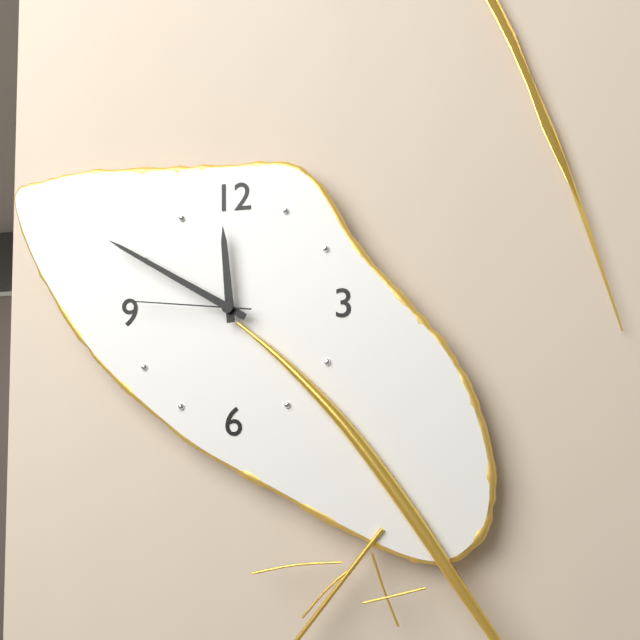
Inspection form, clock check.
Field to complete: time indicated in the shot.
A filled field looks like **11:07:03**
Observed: **11:50:46**
